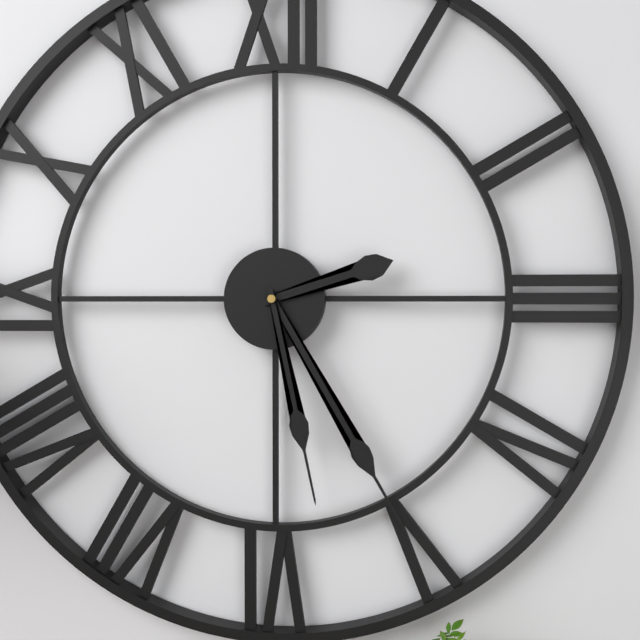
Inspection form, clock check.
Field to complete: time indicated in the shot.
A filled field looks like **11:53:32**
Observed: **2:25:28**
